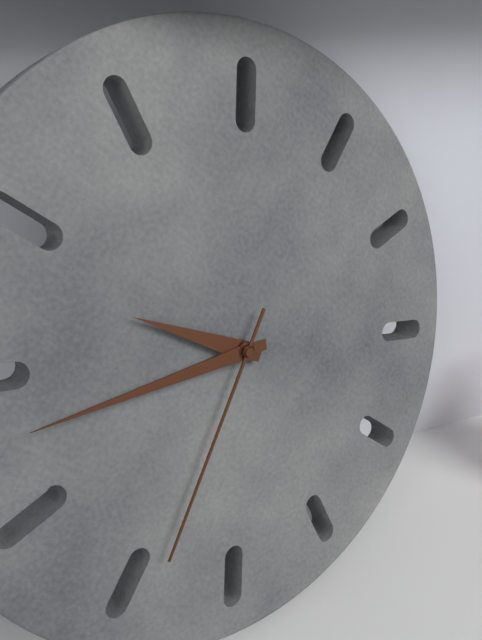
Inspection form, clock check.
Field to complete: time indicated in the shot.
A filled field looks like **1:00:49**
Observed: **8:38:29**
